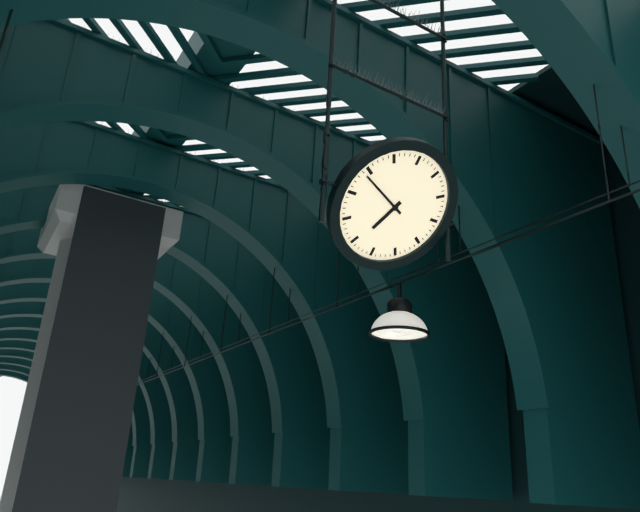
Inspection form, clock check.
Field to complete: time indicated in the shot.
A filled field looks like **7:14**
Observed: **6:49**
